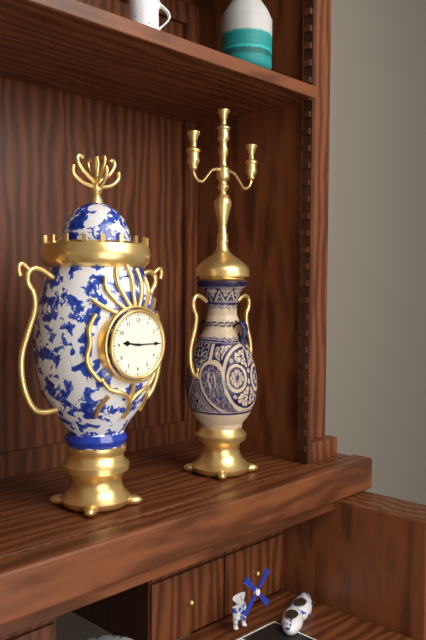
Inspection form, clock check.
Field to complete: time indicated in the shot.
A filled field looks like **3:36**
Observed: **9:15**
